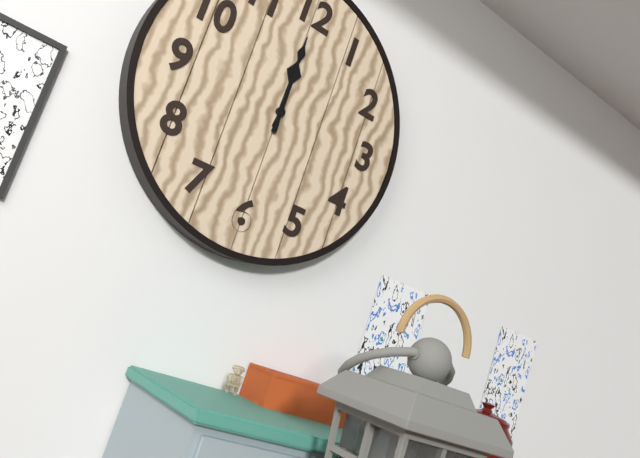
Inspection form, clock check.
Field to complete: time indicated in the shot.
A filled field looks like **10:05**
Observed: **12:00**
